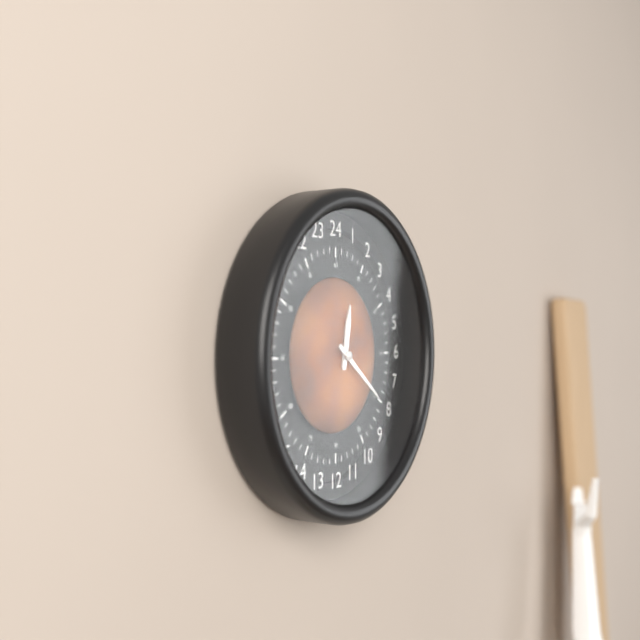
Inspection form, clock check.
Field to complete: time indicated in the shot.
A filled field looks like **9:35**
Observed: **12:21**
